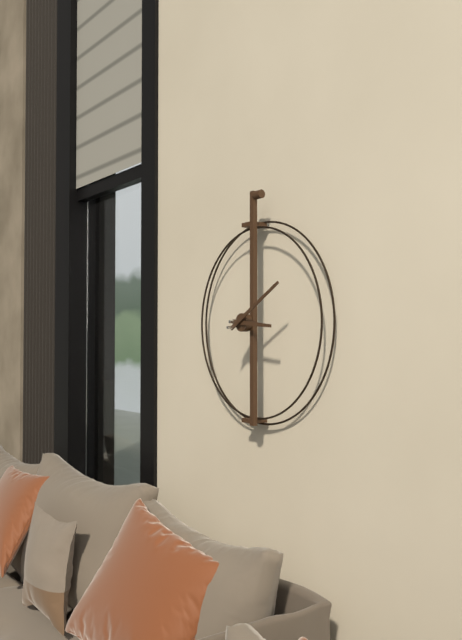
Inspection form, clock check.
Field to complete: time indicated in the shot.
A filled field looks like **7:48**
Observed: **3:10**
